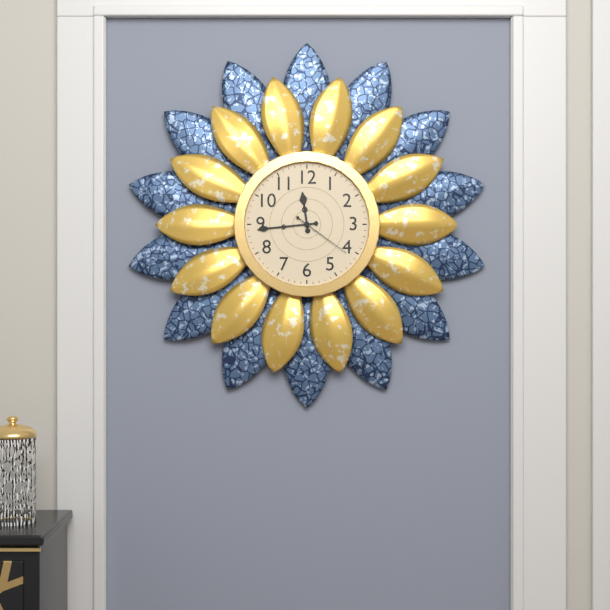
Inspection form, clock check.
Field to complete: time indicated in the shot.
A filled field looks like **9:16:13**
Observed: **11:44:21**
